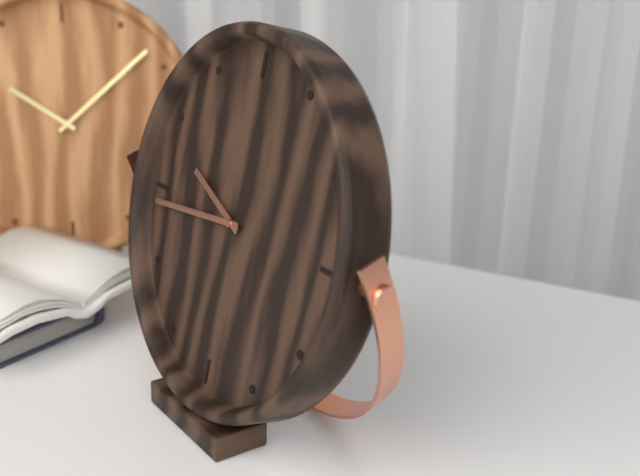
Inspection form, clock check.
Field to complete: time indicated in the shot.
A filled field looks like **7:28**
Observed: **9:44**
